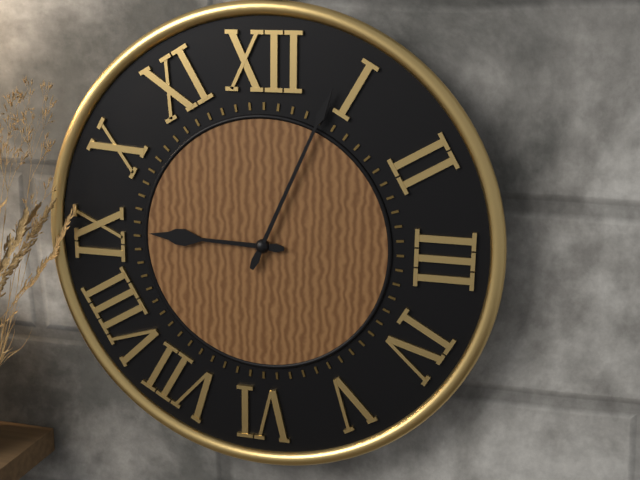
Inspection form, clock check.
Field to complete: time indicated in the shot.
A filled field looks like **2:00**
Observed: **9:04**
